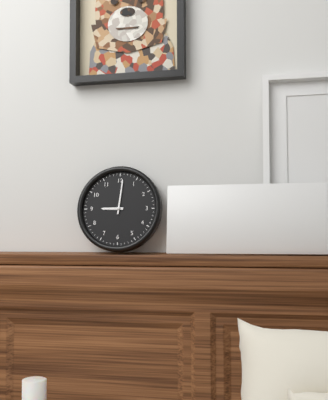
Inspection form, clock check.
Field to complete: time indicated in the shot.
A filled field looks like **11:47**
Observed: **9:01**
